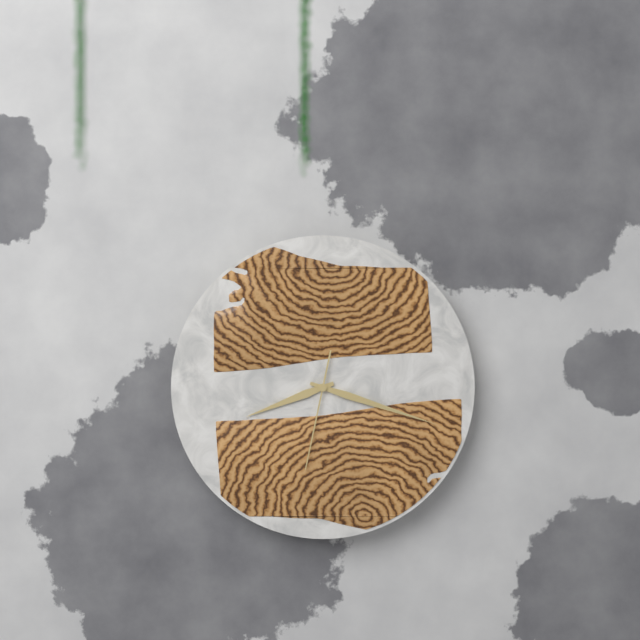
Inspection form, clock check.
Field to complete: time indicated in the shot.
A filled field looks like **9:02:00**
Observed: **8:18:32**
